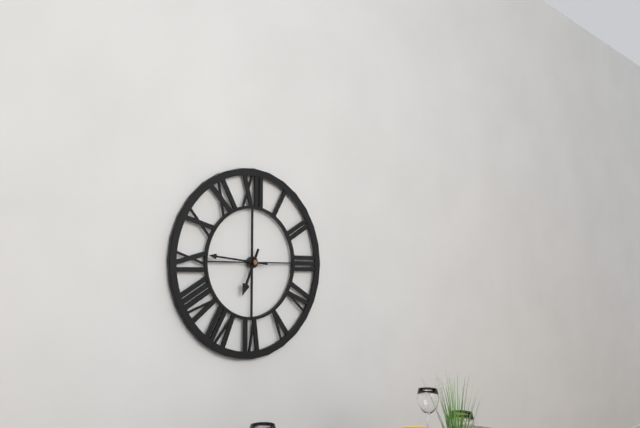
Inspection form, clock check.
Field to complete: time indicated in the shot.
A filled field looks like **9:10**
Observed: **6:46**
